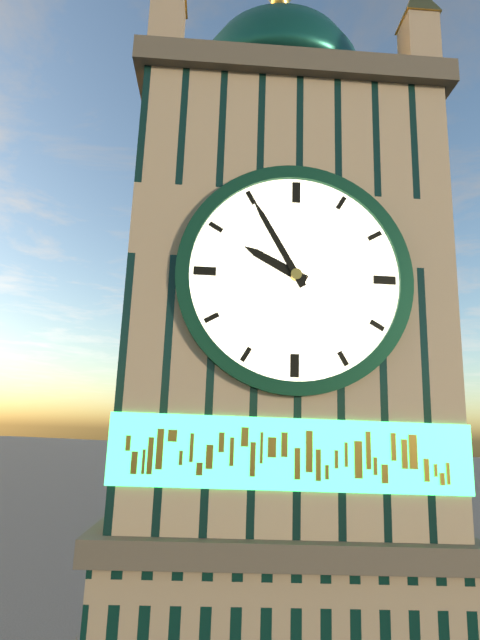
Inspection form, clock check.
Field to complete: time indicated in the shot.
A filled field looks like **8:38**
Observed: **9:55**
